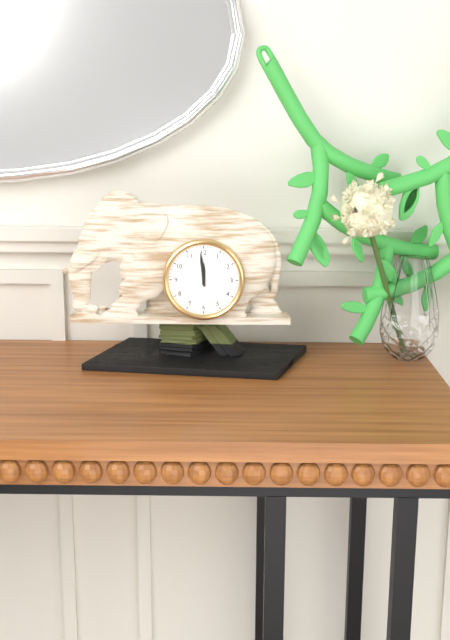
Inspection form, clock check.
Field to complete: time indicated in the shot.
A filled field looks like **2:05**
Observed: **11:59**
